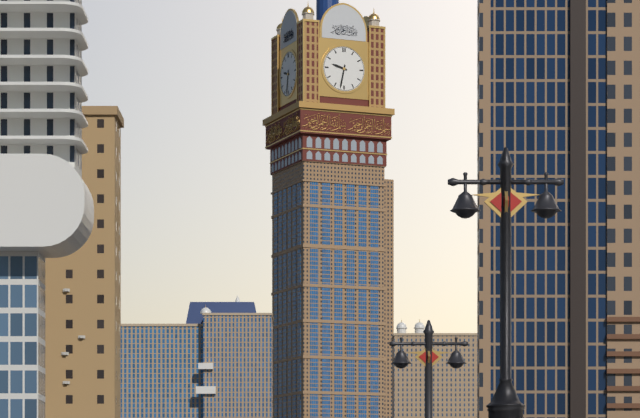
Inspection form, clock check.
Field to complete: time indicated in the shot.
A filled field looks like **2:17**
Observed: **9:32**
